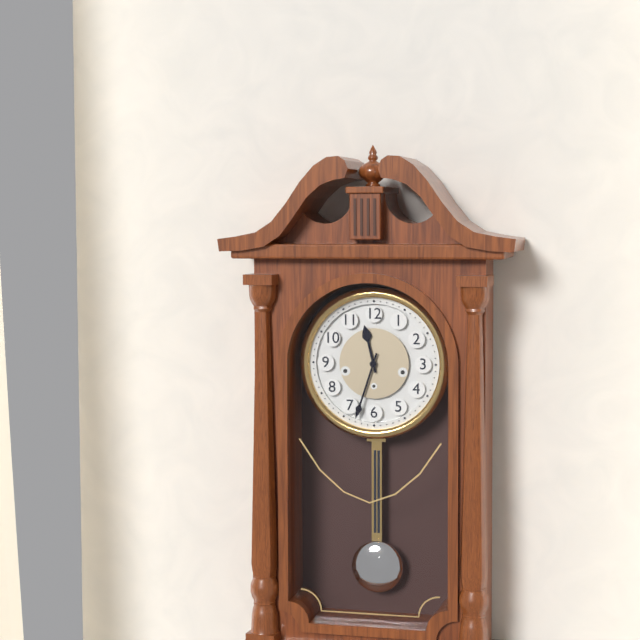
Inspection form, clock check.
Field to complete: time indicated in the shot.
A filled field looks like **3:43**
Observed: **11:33**
